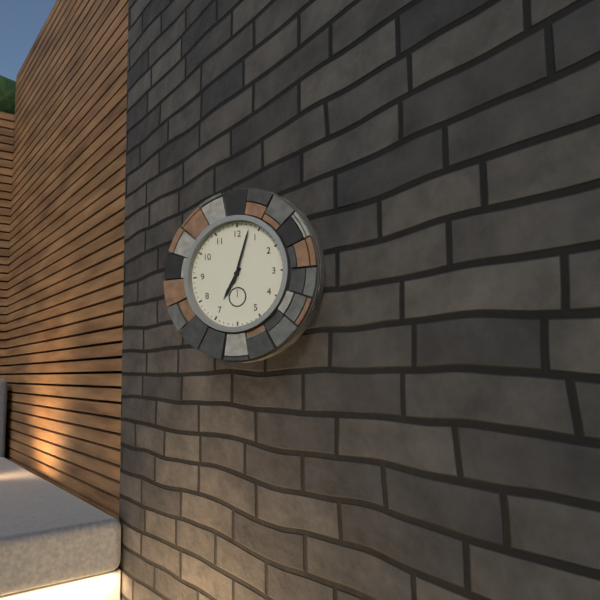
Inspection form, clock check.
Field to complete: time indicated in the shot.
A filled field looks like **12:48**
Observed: **7:03**
